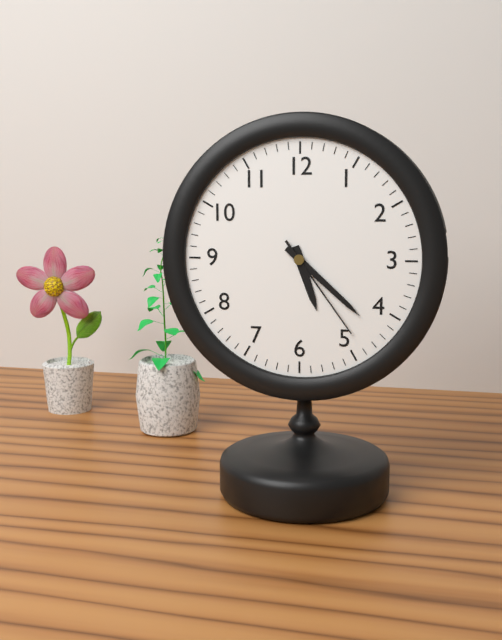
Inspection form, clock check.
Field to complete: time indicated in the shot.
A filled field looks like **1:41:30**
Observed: **5:22:24**
